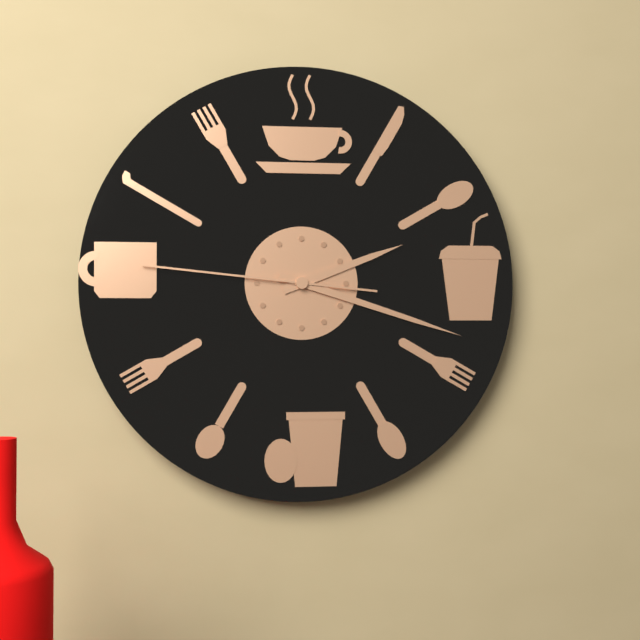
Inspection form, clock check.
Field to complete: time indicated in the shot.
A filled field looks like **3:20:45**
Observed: **2:18:46**
